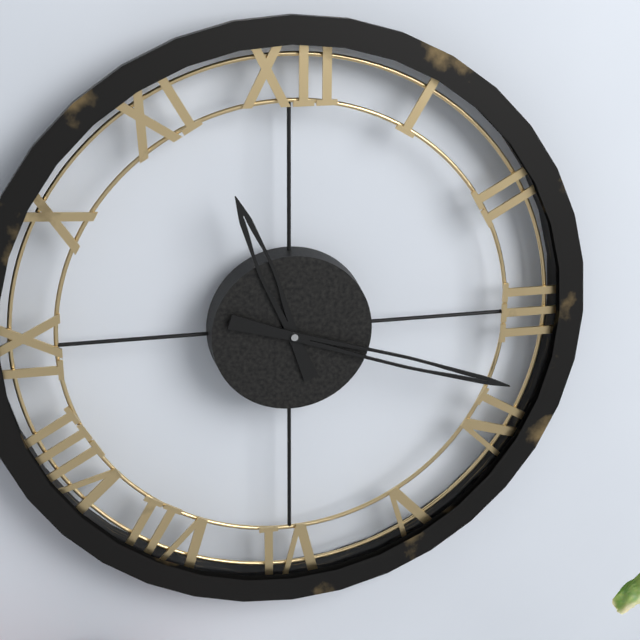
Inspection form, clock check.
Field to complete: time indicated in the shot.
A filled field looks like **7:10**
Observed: **11:18**
